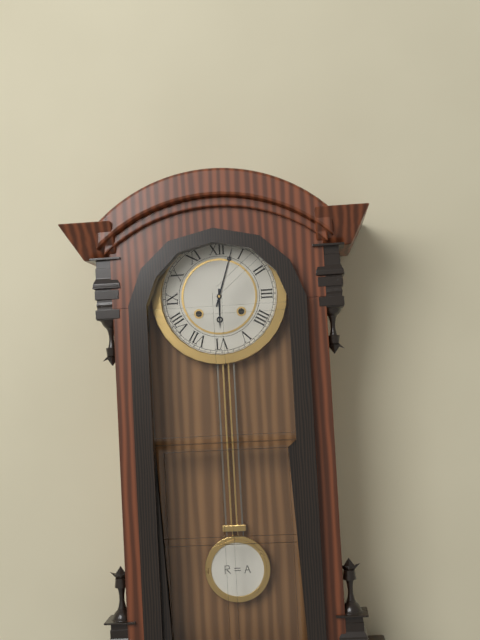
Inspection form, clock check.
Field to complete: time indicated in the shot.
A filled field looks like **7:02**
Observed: **6:03**
